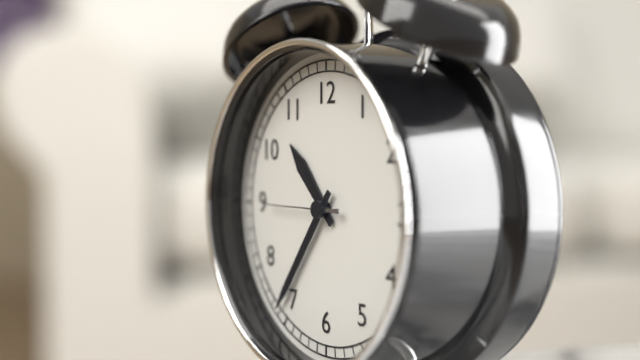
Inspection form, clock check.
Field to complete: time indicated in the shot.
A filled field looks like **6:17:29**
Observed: **10:36:45**
